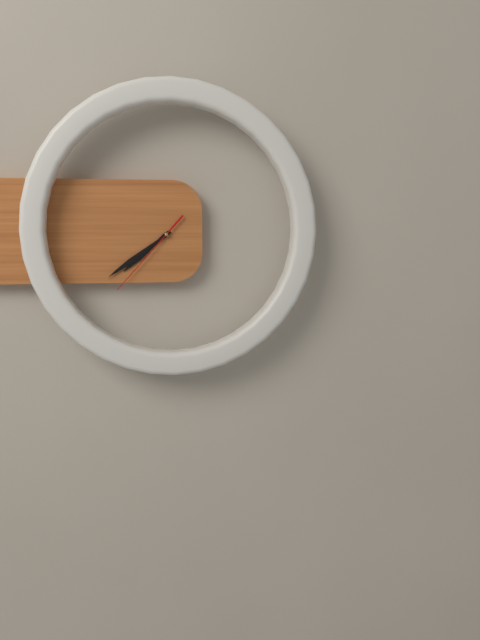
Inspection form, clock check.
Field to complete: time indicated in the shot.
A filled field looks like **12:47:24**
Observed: **7:39:37**
